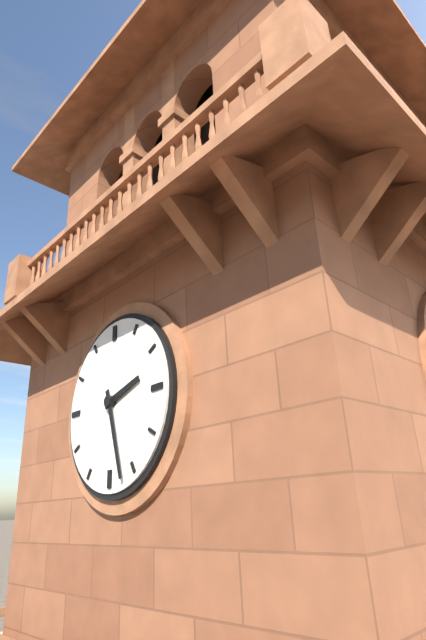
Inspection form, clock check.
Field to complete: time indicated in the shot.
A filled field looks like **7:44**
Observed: **2:27**
